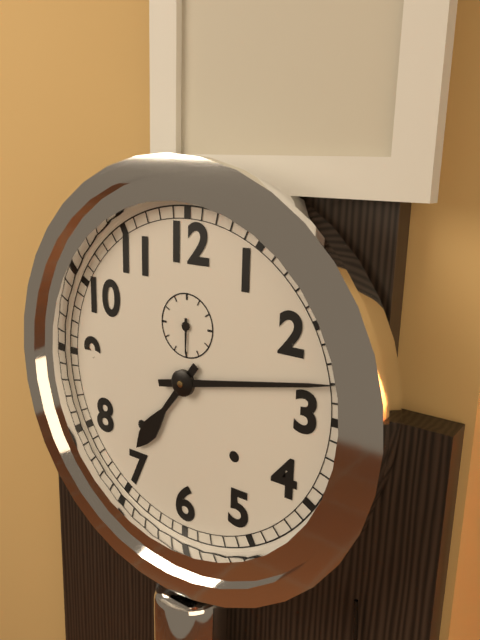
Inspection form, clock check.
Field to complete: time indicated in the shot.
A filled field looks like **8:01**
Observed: **7:13**
